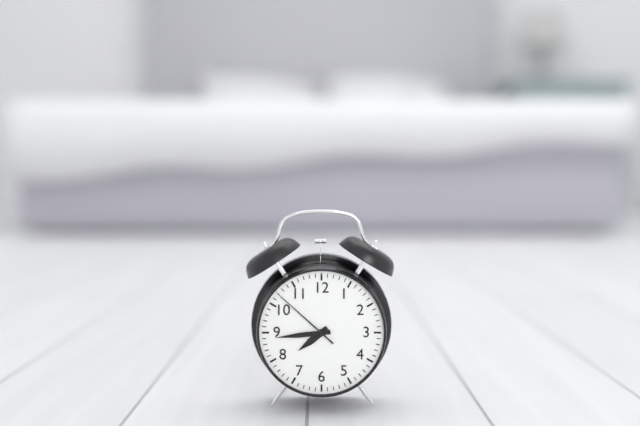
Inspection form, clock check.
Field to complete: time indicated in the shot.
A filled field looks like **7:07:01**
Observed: **7:44:52**
